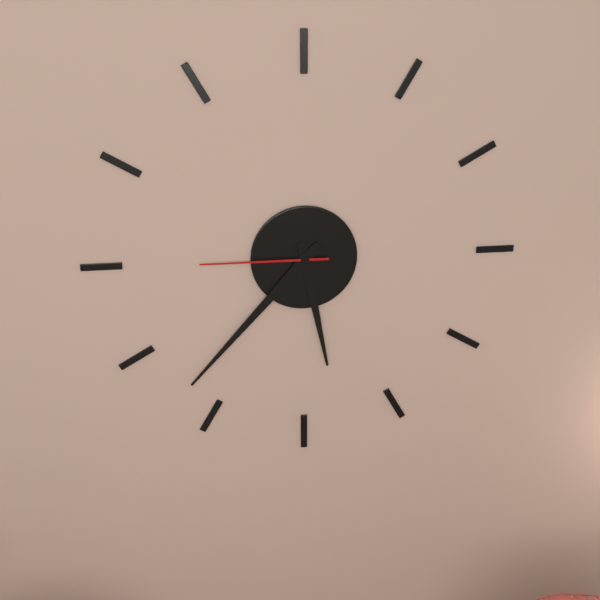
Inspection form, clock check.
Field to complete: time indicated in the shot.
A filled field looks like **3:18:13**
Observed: **5:37:45**
